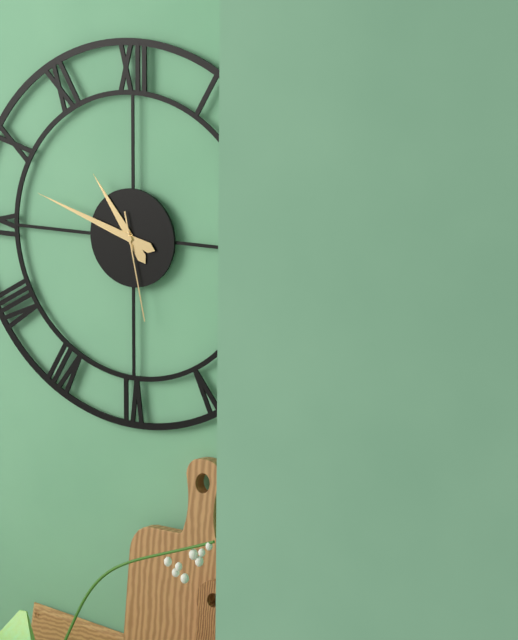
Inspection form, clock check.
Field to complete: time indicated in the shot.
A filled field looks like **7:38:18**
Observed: **10:48:28**
